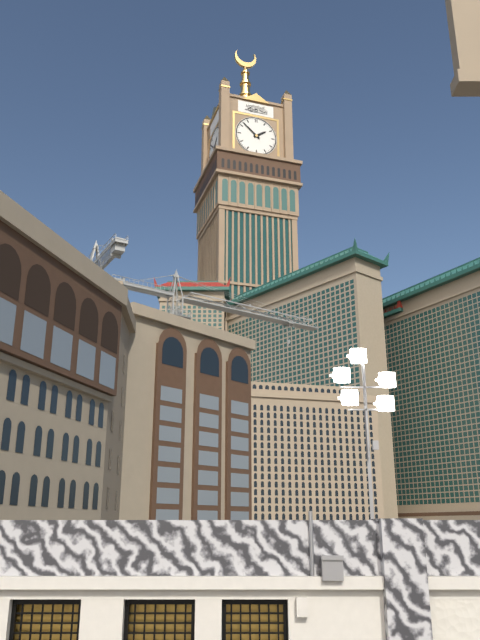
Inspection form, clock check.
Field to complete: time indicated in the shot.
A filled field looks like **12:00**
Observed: **1:52**
